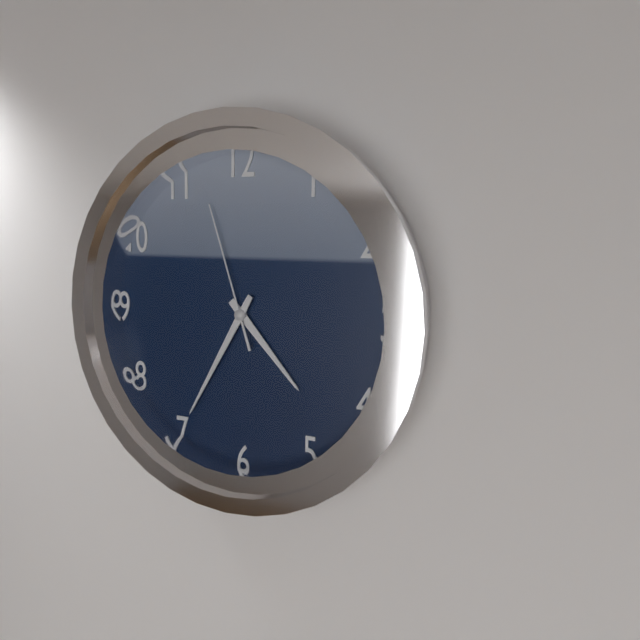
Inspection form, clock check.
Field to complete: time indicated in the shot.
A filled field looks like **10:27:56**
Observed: **4:35:57**
